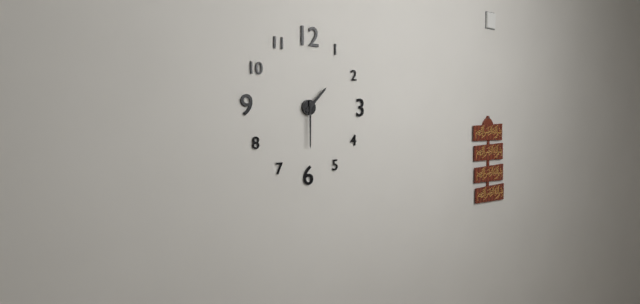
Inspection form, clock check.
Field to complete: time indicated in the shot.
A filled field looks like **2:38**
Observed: **1:30**
